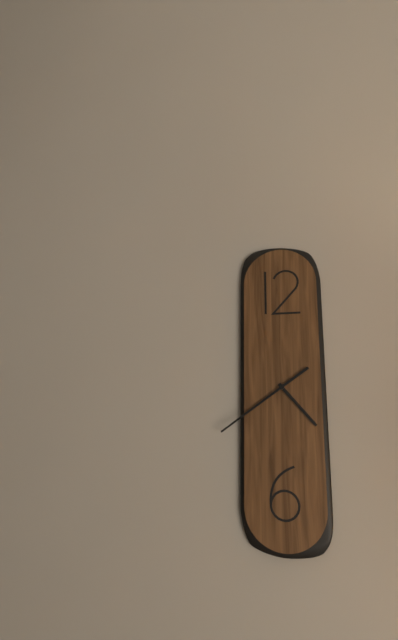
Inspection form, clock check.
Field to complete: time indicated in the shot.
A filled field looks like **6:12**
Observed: **4:39**
